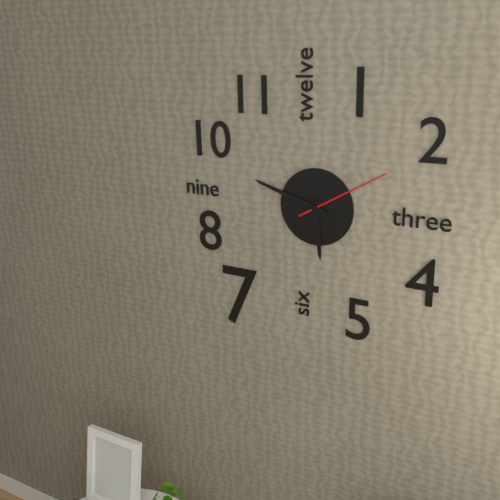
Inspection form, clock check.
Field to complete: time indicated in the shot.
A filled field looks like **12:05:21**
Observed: **5:48:10**
